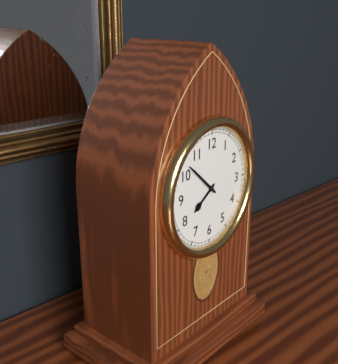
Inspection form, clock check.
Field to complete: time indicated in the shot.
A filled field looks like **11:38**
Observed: **7:52**
